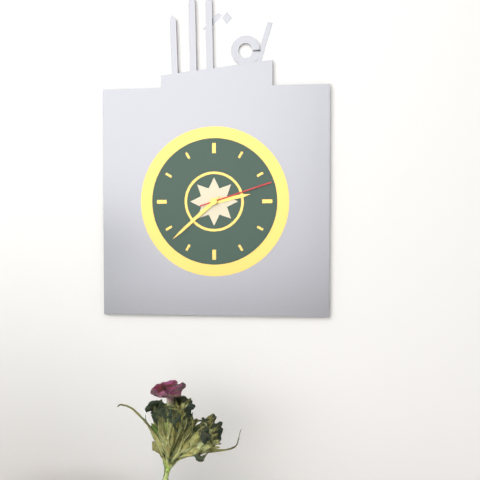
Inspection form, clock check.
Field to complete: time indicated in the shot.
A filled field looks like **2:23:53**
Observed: **2:38:12**
